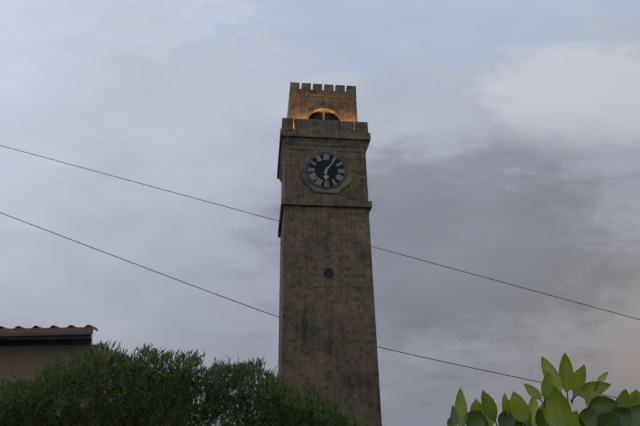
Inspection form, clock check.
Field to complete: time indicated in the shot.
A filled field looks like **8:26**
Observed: **6:06**
